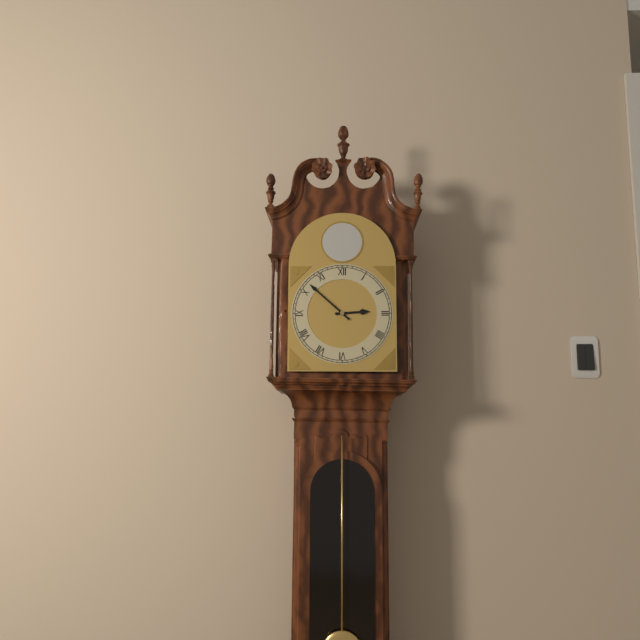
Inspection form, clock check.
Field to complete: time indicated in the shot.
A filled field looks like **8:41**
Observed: **2:52**
